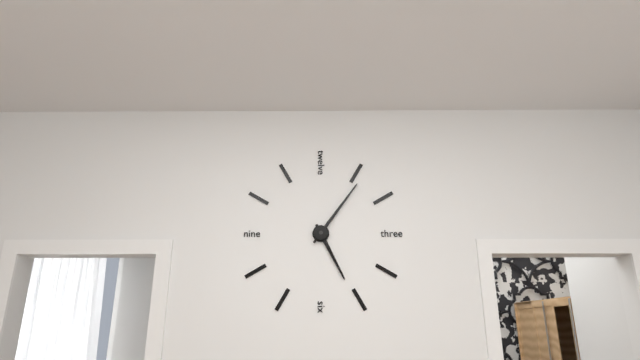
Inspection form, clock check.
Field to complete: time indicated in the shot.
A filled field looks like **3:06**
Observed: **5:06**
